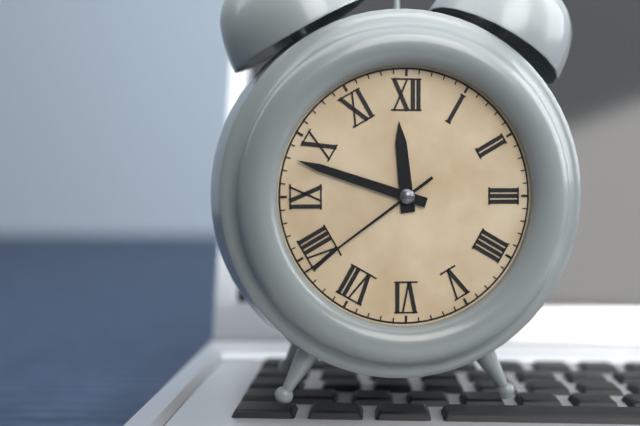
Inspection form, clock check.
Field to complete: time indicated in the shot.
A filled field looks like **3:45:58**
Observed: **11:48:39**
